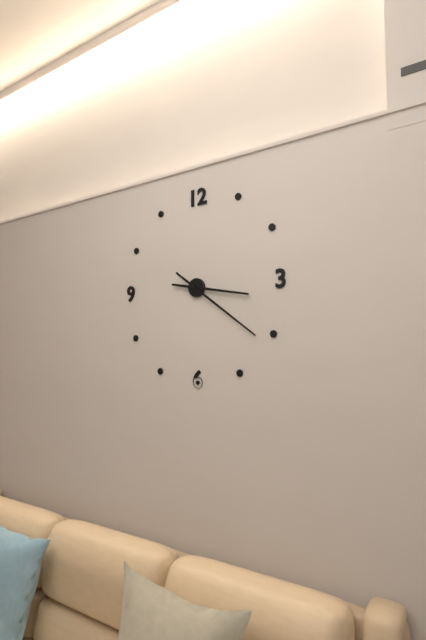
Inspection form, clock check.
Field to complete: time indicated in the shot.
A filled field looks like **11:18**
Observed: **3:21**
